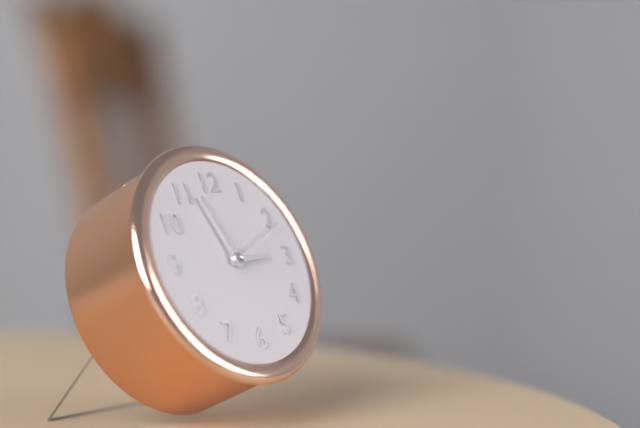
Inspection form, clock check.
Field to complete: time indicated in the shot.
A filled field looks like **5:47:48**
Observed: **2:57:11**
